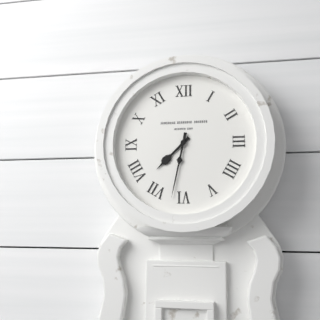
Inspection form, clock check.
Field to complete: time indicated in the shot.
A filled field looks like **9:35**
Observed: **7:32**
